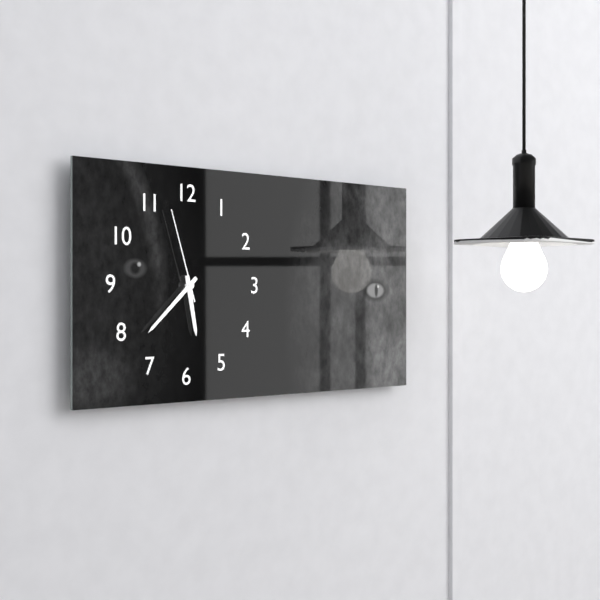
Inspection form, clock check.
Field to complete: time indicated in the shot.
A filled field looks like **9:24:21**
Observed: **5:38:57**
